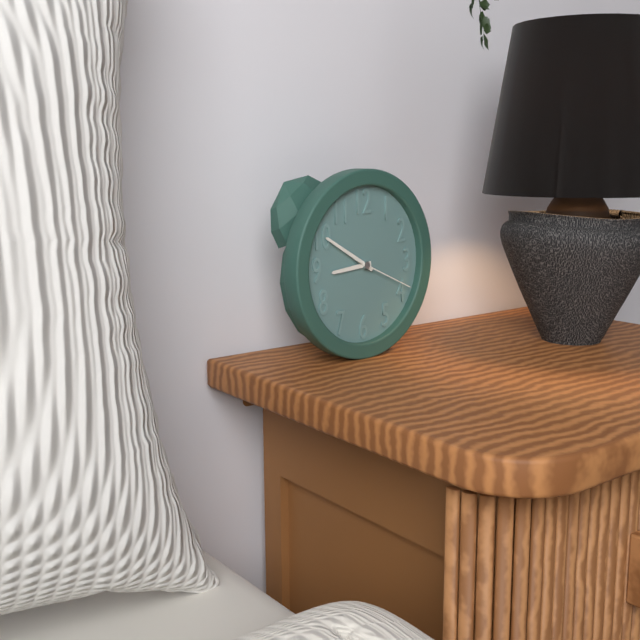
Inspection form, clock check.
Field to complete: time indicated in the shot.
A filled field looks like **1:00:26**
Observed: **8:50:19**
